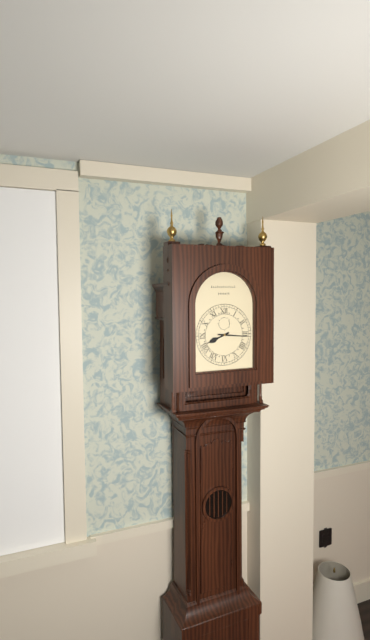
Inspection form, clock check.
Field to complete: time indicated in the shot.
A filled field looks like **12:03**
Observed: **8:16**
